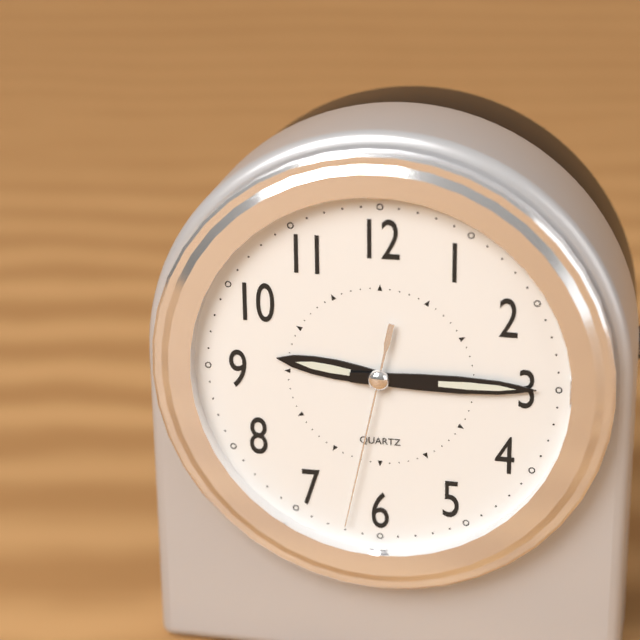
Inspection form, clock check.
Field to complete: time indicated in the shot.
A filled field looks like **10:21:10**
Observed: **9:15:32**
